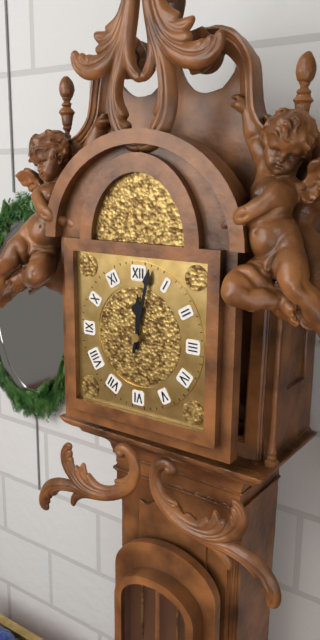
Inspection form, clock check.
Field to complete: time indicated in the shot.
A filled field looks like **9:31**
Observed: **12:02**
